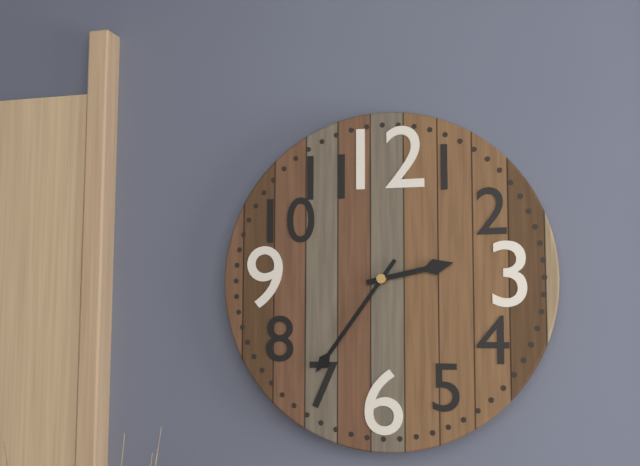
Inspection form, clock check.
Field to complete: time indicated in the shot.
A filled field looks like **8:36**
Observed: **2:36**
